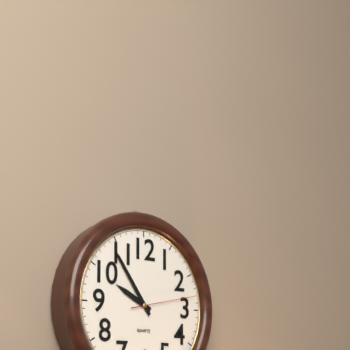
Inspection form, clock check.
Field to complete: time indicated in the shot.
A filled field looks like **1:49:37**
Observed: **9:54:13**
